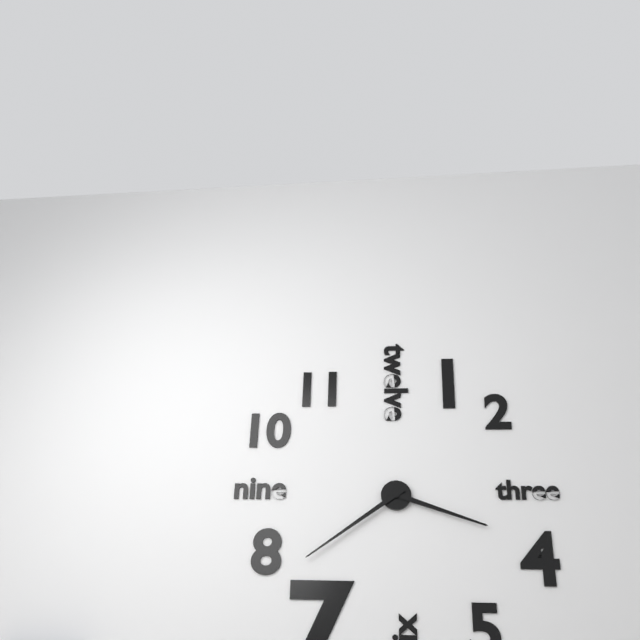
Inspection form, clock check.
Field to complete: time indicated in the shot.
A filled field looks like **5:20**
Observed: **3:39**
